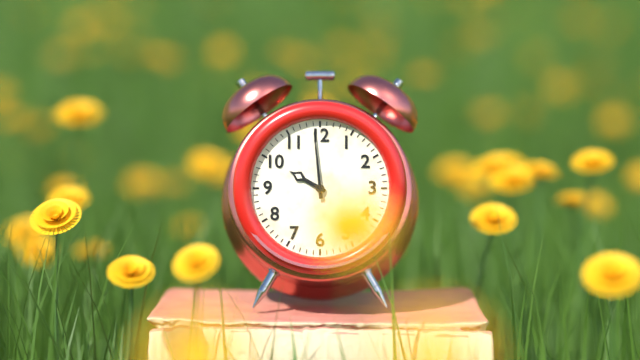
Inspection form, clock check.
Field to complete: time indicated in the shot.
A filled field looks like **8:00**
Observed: **9:59**
